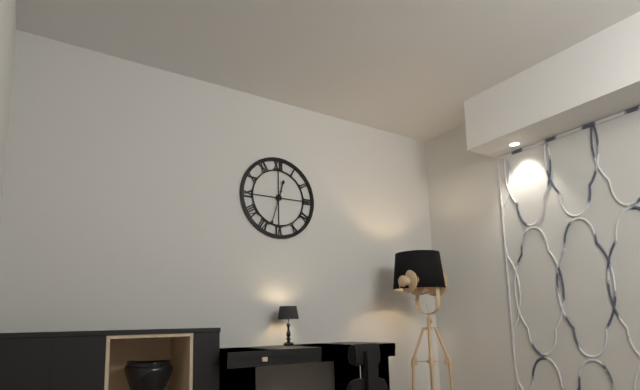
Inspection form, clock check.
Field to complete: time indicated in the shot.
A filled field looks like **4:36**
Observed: **12:33**
